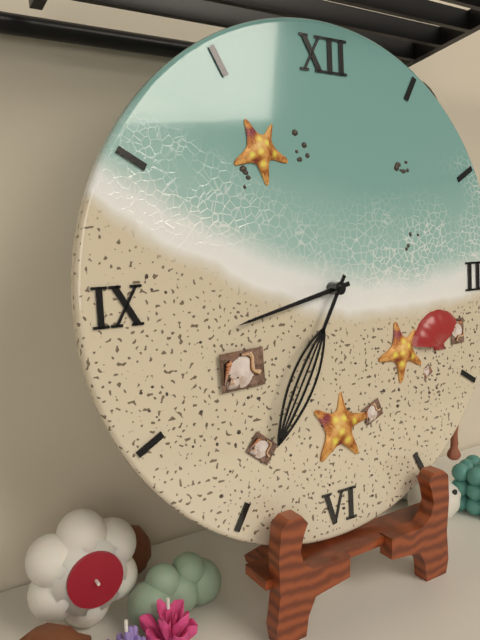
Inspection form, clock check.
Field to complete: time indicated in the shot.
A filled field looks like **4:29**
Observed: **8:35**
